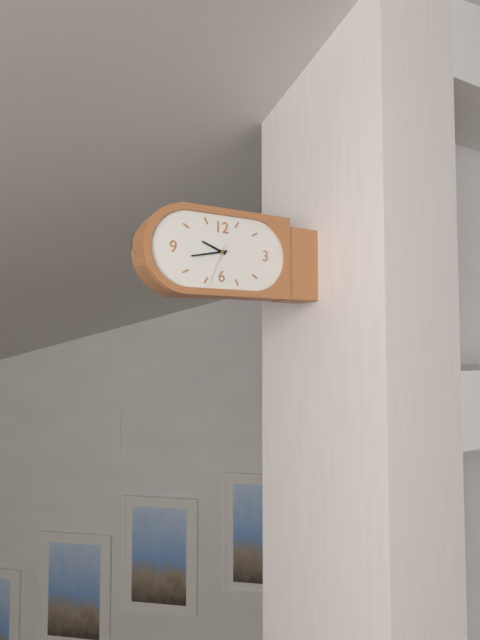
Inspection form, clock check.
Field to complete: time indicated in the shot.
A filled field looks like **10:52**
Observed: **9:43**
